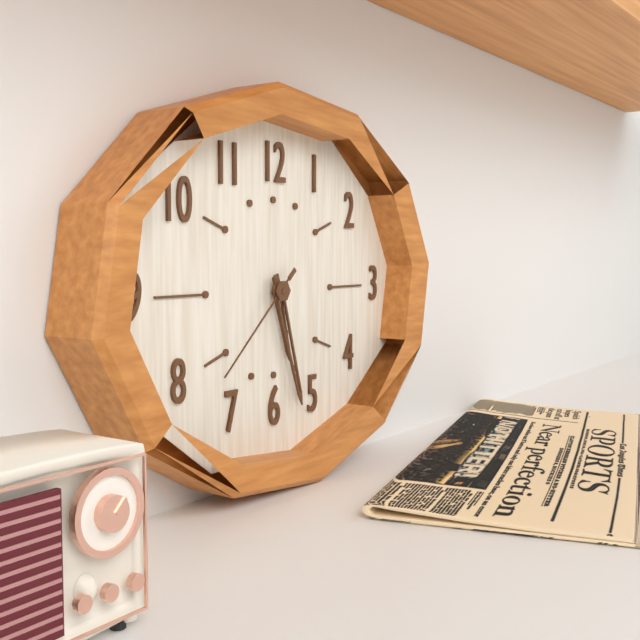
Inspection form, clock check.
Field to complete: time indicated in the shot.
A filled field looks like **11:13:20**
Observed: **5:27:38**
